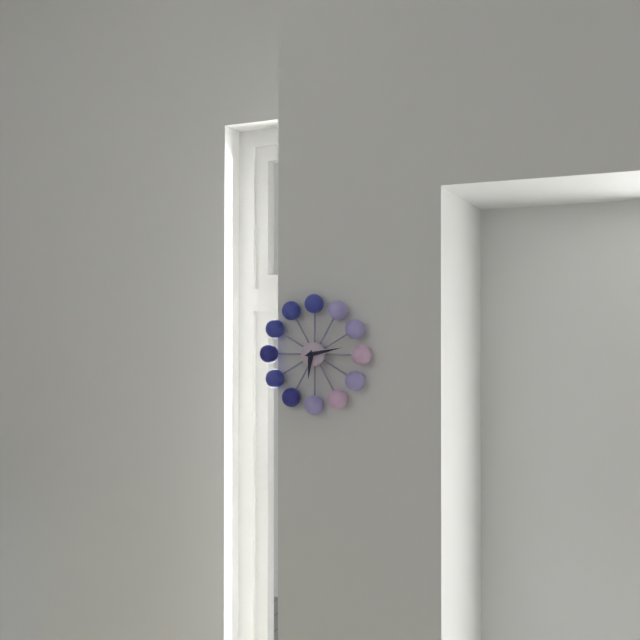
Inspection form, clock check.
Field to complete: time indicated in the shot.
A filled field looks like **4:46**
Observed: **6:13**
